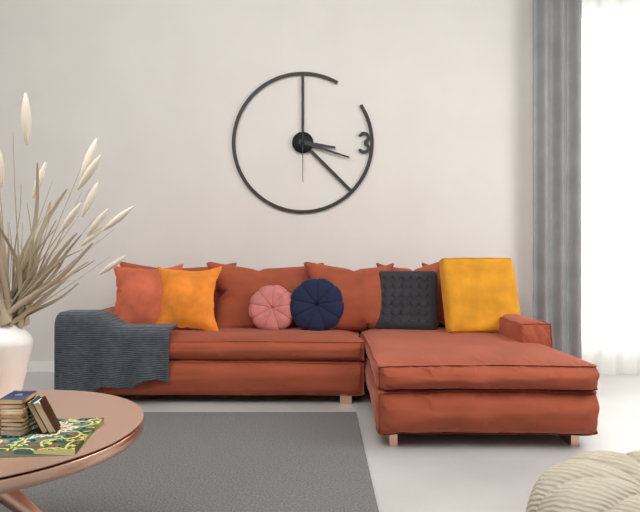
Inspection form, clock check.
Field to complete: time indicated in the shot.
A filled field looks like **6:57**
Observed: **3:18**
